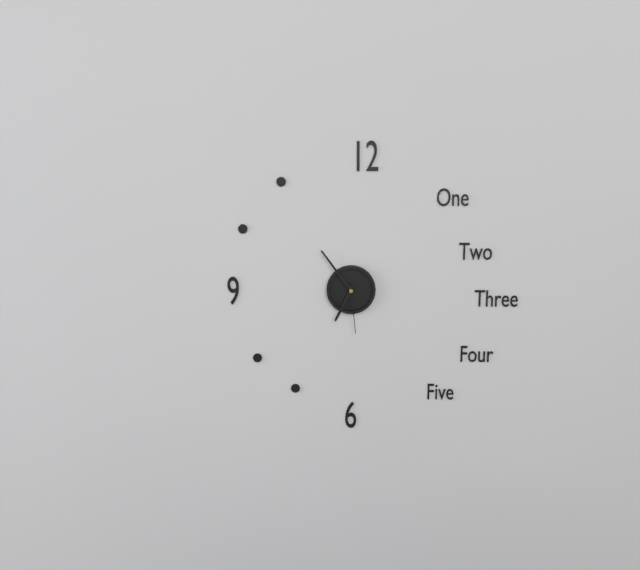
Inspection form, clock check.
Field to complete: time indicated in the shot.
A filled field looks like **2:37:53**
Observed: **6:54:29**
